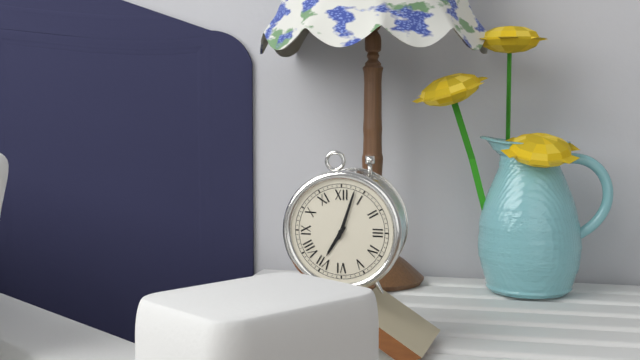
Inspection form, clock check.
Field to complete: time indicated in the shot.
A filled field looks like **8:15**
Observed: **7:03**
